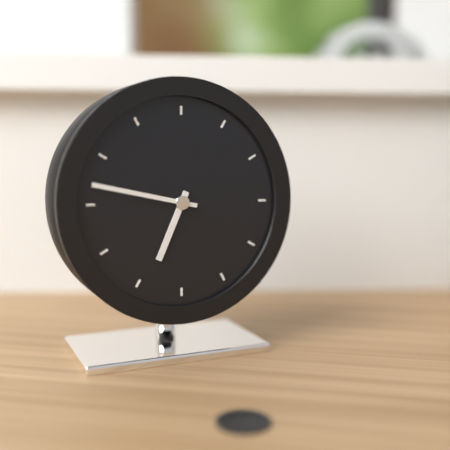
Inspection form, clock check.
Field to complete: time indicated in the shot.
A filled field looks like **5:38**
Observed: **6:47**
